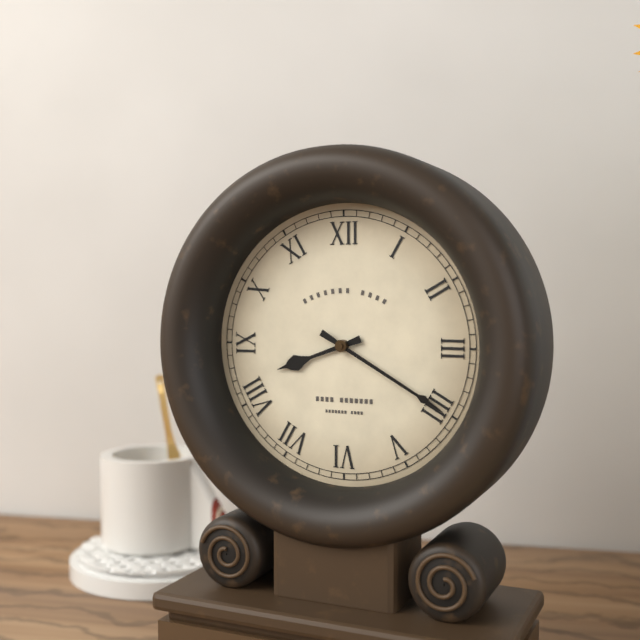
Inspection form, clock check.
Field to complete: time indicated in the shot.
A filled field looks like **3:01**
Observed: **8:20**
